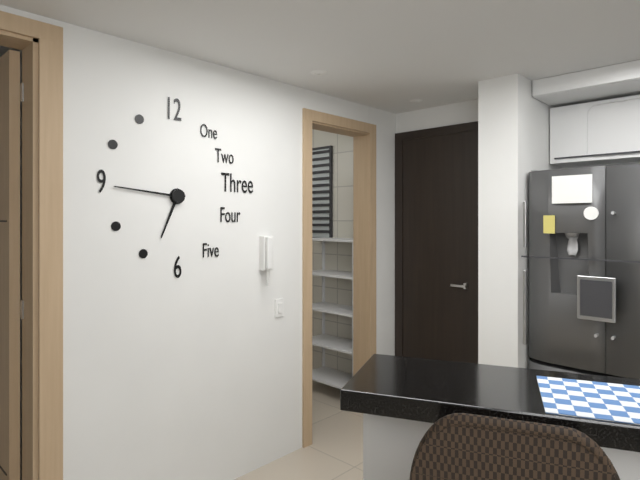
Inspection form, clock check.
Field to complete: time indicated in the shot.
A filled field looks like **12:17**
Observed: **6:46**
